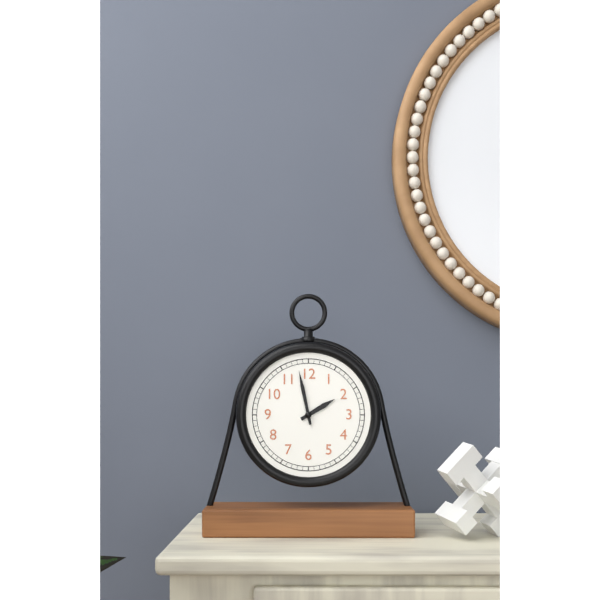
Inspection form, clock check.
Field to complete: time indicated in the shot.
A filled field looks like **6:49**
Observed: **1:58**
